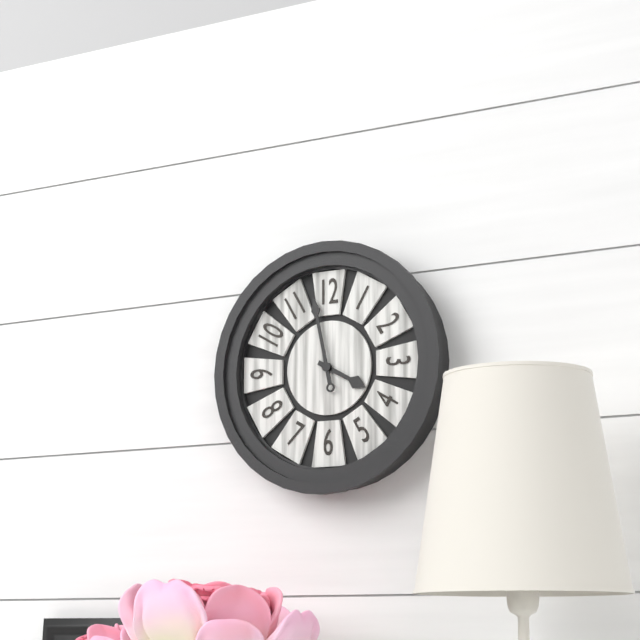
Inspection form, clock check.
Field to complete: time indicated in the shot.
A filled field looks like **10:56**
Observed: **3:58**
